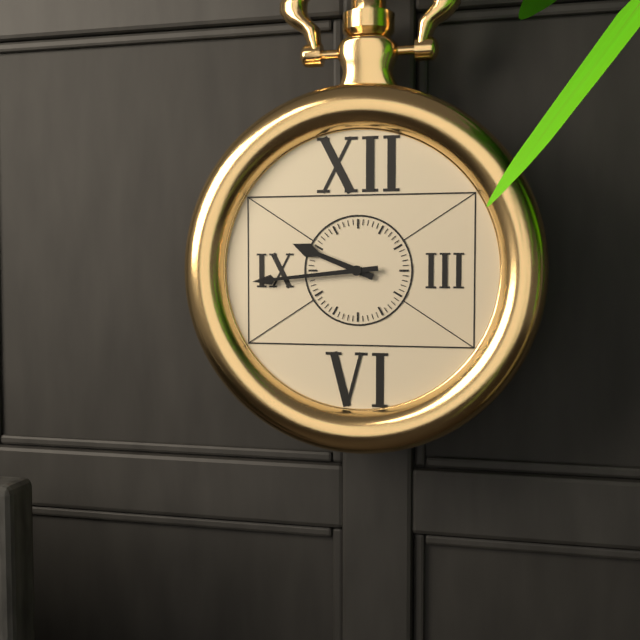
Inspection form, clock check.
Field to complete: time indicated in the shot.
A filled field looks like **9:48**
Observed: **9:44**
